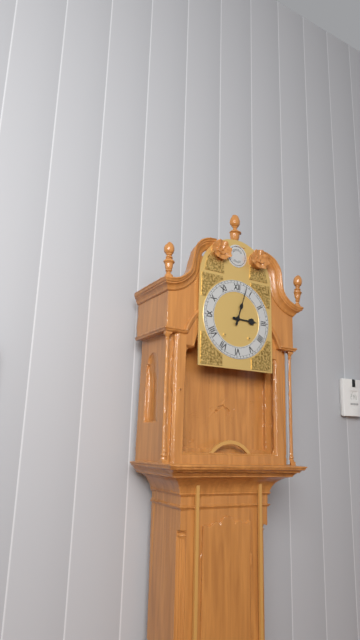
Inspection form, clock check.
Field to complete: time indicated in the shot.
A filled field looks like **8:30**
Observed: **3:03**
